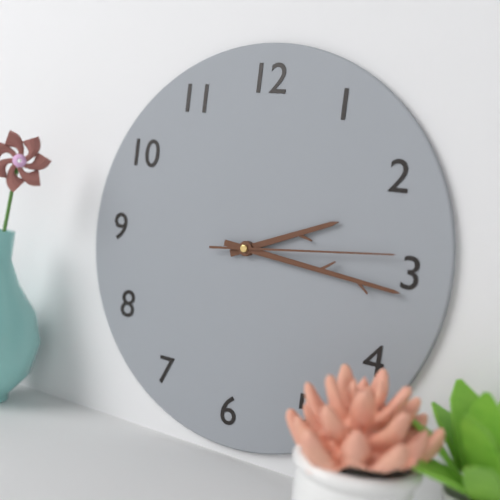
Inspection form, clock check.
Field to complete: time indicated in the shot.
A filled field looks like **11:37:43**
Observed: **2:16:14**
